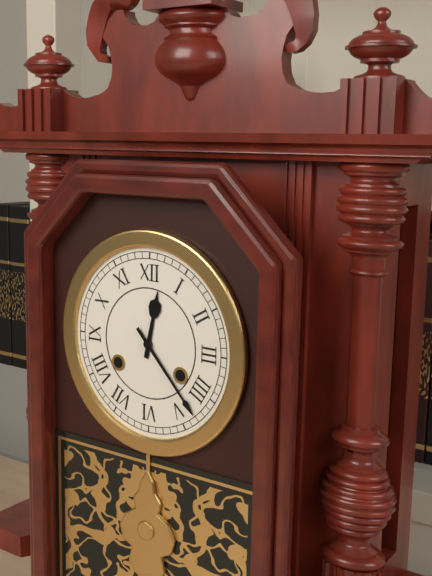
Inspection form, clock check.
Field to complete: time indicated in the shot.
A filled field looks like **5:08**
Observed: **12:23**
